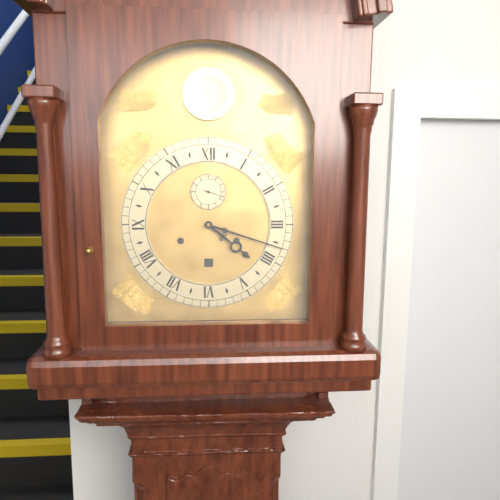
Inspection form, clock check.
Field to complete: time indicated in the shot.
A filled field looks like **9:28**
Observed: **4:18**
